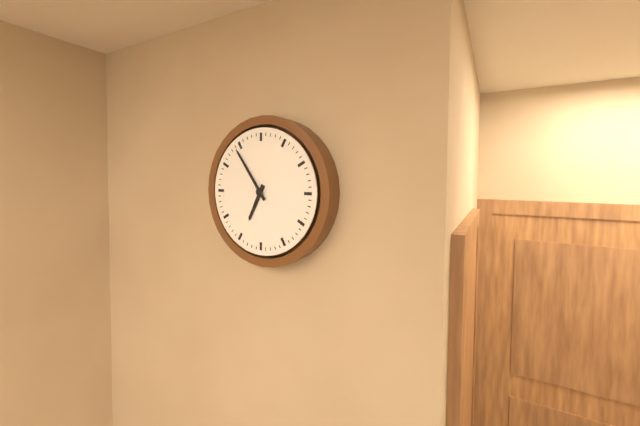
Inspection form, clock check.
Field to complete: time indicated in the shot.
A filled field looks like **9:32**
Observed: **6:54**
